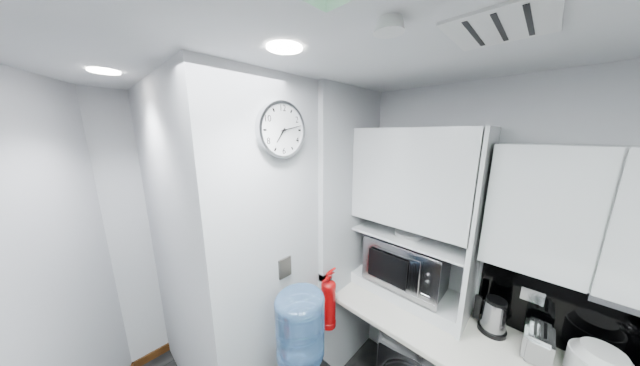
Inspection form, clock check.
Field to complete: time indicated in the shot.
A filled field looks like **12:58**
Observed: **7:13**
